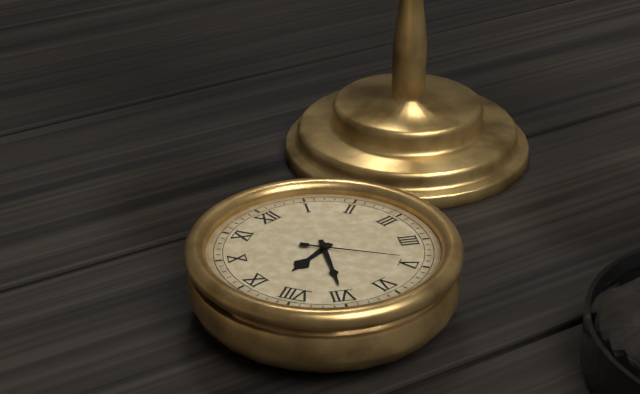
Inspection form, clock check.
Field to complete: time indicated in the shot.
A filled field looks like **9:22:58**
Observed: **8:35:24**
